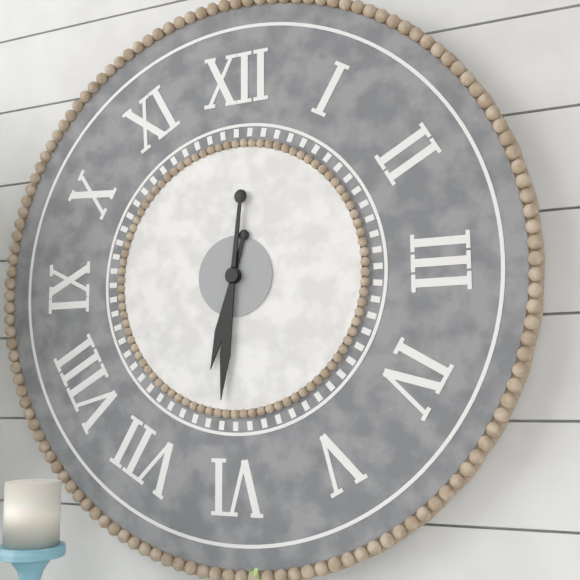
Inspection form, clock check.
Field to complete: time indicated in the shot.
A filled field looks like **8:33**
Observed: **6:31**
